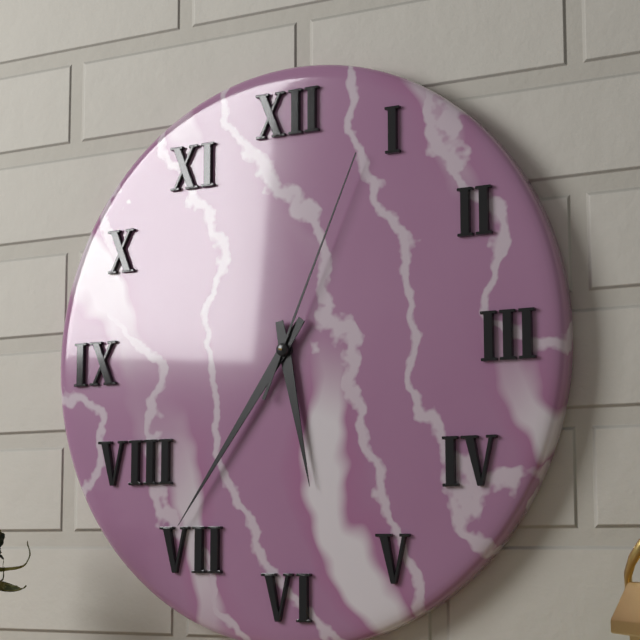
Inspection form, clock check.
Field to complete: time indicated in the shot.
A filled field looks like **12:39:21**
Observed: **5:36:04**
